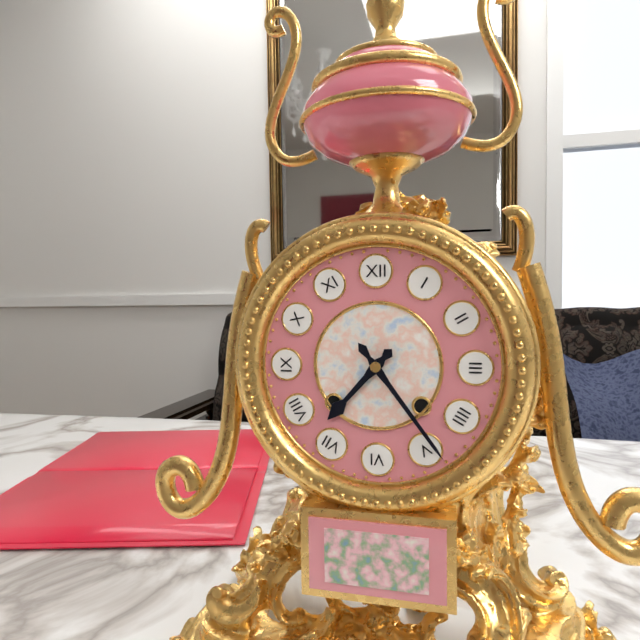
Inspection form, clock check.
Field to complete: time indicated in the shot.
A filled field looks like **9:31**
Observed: **7:24**
